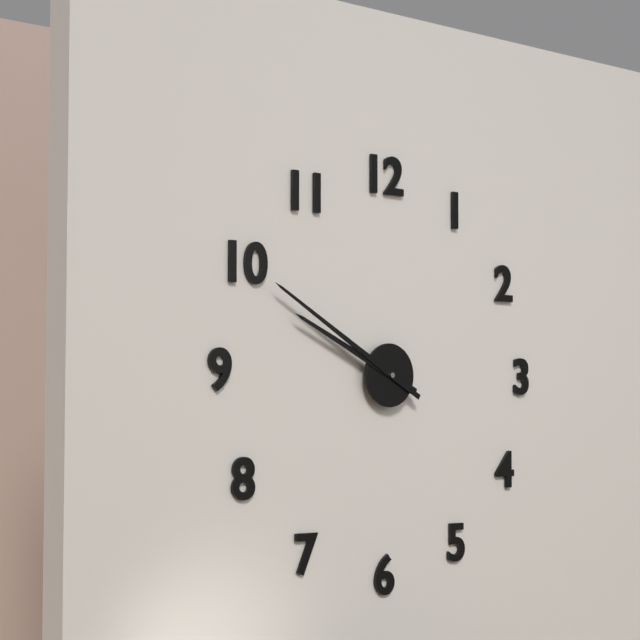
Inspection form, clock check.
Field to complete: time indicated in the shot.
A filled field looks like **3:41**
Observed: **9:50**
